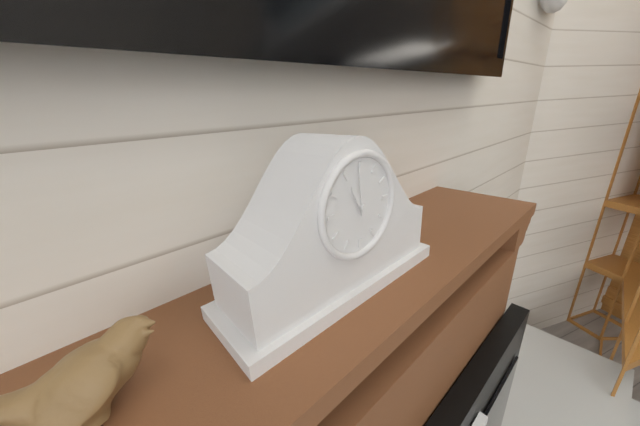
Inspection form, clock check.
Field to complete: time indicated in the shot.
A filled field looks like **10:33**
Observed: **10:59**
